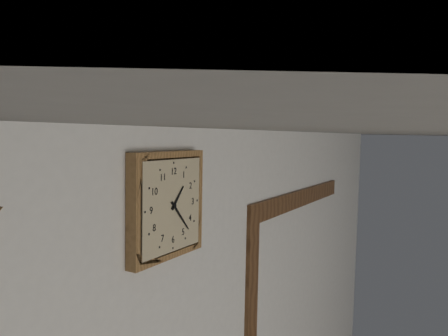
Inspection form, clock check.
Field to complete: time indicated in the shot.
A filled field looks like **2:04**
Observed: **1:23**
